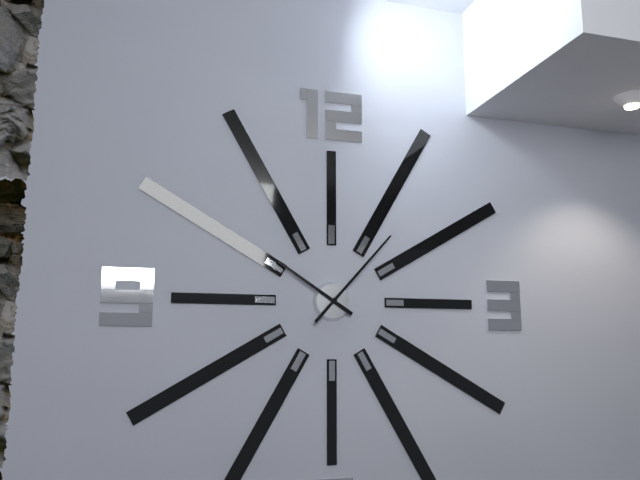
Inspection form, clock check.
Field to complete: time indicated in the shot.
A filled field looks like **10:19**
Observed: **10:07**
